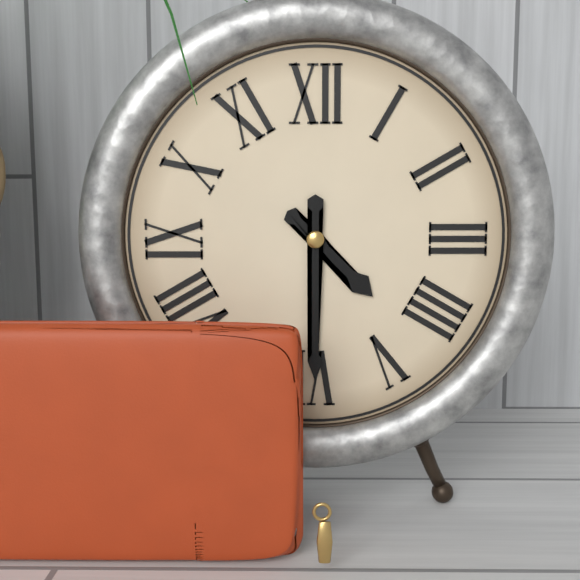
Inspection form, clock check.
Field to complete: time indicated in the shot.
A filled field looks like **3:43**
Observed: **4:30**
